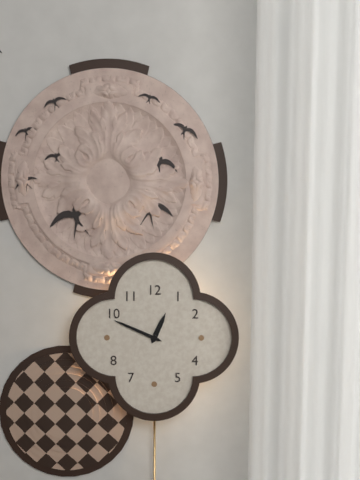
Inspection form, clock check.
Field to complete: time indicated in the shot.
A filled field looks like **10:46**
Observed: **12:49**
